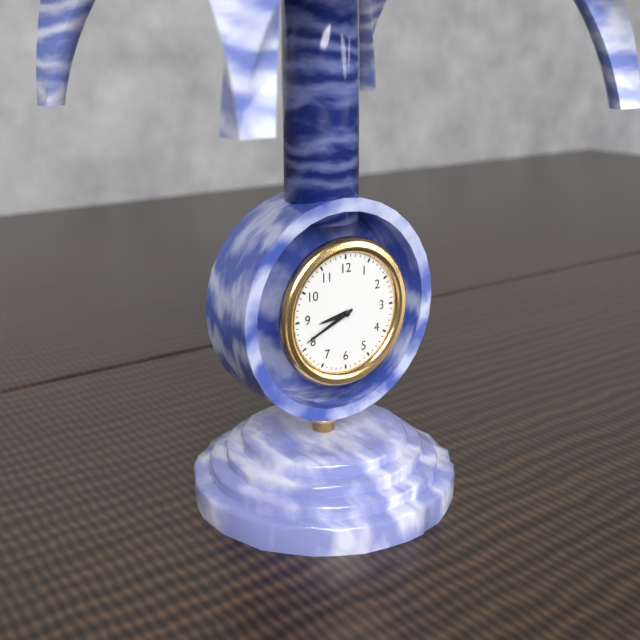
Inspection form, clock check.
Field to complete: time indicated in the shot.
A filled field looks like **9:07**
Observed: **8:41**
